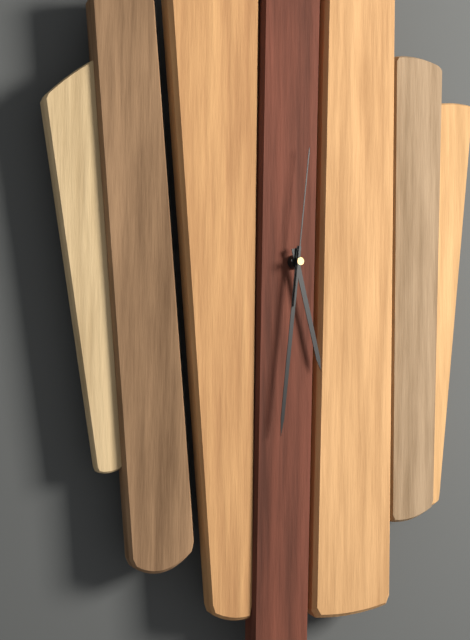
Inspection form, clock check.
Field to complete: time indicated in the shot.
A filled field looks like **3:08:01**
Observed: **5:31:01**
